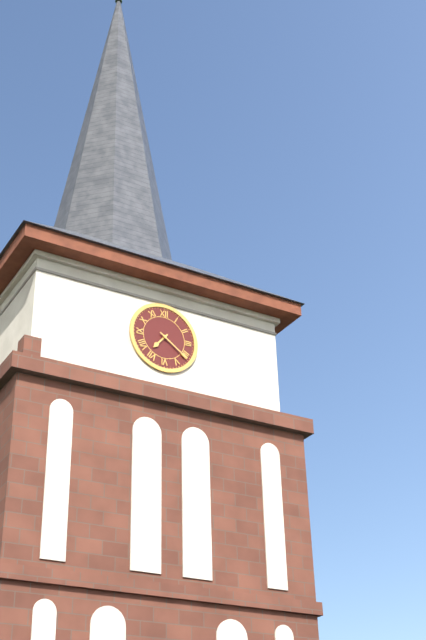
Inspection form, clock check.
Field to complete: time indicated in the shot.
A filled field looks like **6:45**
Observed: **7:21**
